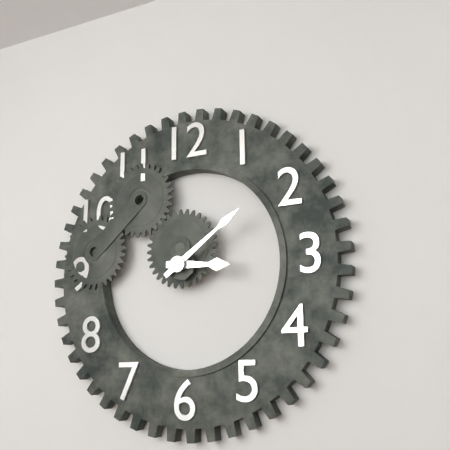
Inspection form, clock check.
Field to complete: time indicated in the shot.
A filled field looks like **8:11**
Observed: **3:09**
